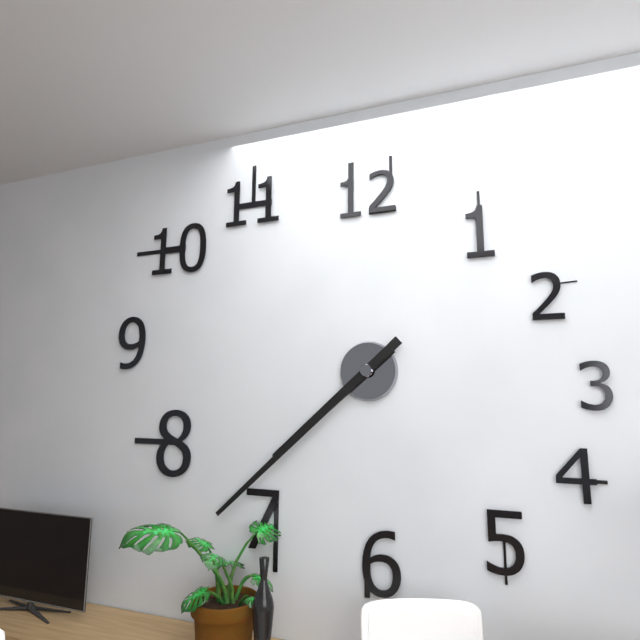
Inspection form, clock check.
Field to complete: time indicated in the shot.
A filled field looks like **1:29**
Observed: **7:38**
